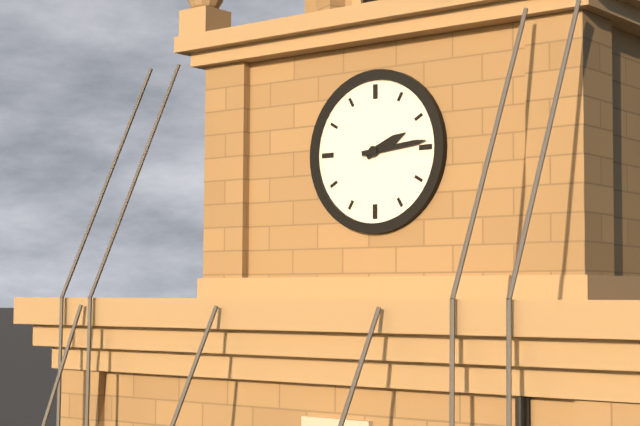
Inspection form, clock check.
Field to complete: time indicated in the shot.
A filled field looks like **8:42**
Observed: **2:14**
